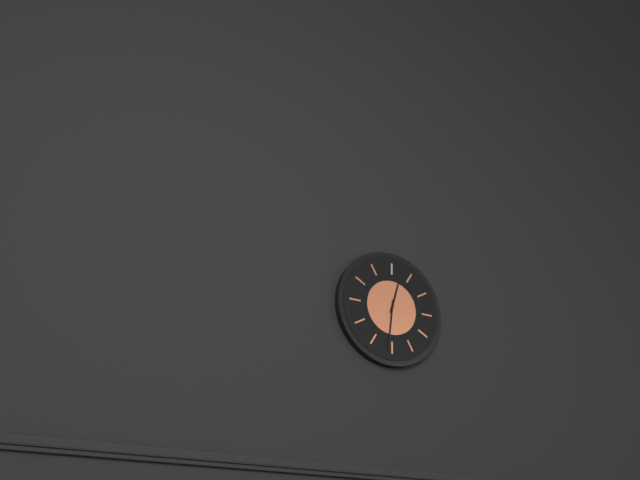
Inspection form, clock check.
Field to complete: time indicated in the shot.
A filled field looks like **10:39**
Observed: **12:31**
